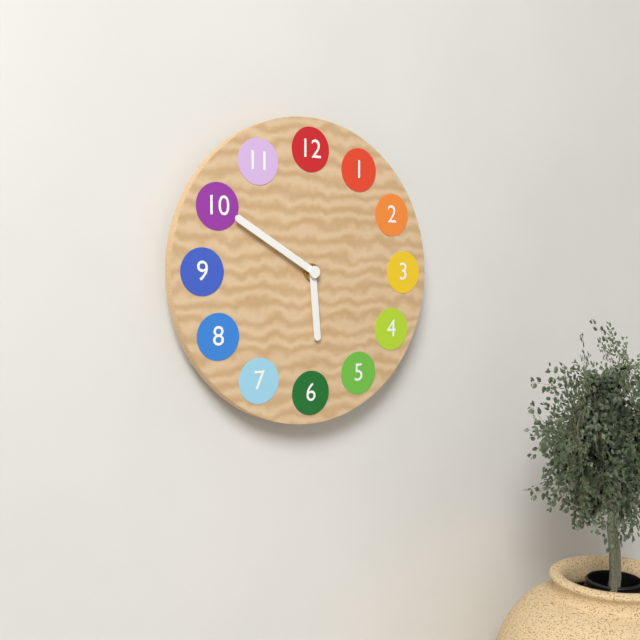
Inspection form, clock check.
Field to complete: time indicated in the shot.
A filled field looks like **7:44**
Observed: **5:50**
